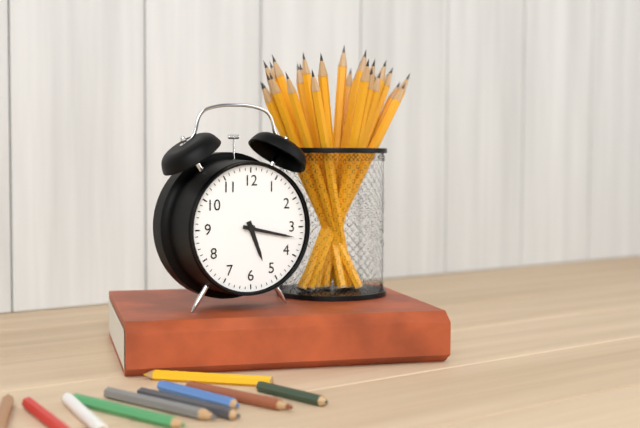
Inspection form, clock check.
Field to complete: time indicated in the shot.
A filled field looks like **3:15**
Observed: **5:17**
